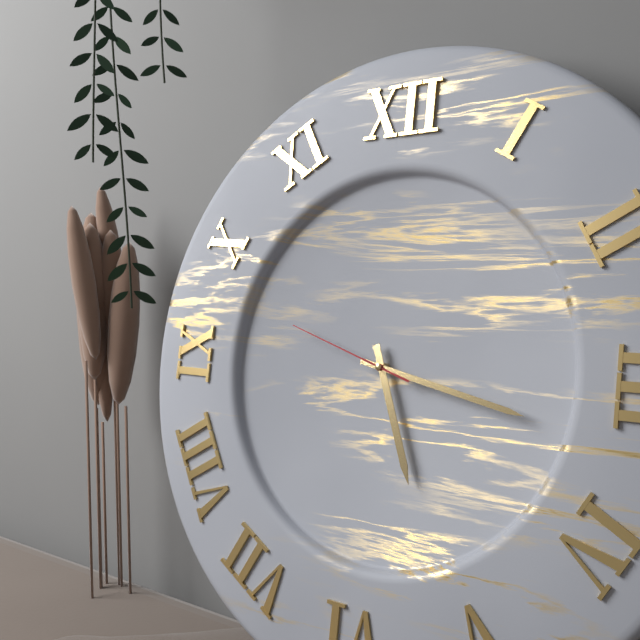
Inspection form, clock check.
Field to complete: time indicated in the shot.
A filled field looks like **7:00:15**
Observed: **5:17:48**
